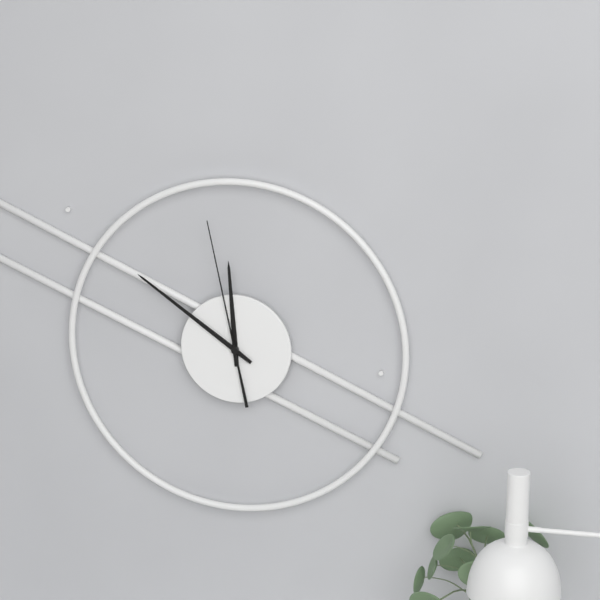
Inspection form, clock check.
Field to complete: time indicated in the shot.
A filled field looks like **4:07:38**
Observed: **11:51:58**
